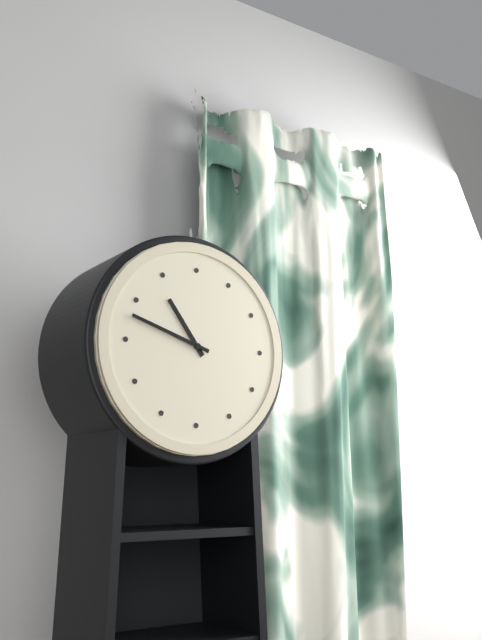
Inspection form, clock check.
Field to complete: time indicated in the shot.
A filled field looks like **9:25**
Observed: **10:48**
